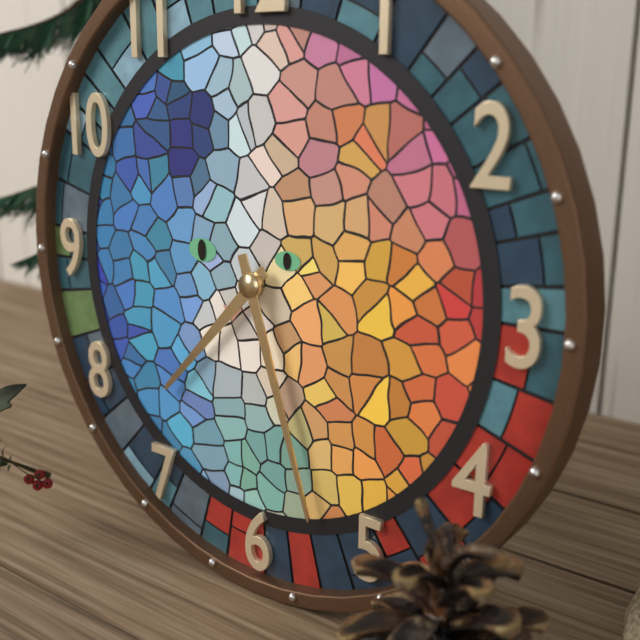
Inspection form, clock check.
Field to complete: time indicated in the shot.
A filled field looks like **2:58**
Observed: **7:27**
